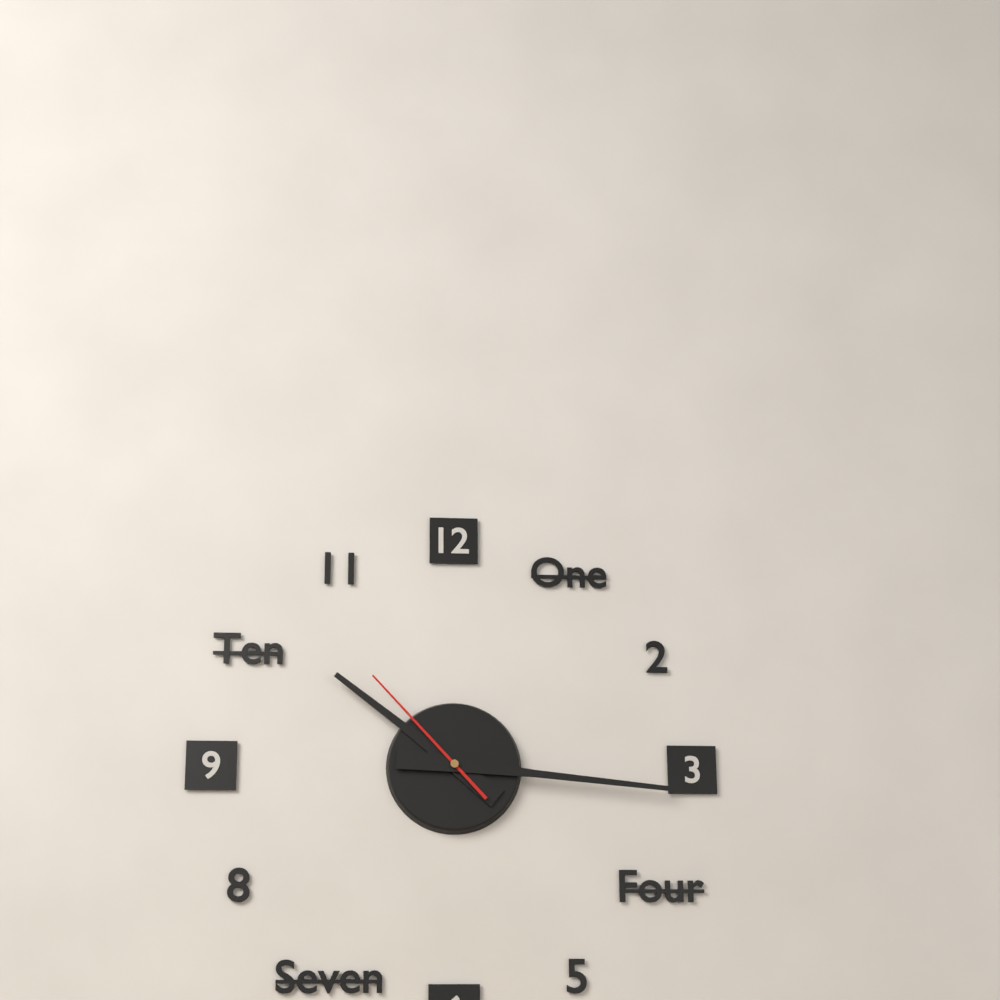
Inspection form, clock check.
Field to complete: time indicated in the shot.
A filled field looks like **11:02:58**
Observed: **10:16:53**
